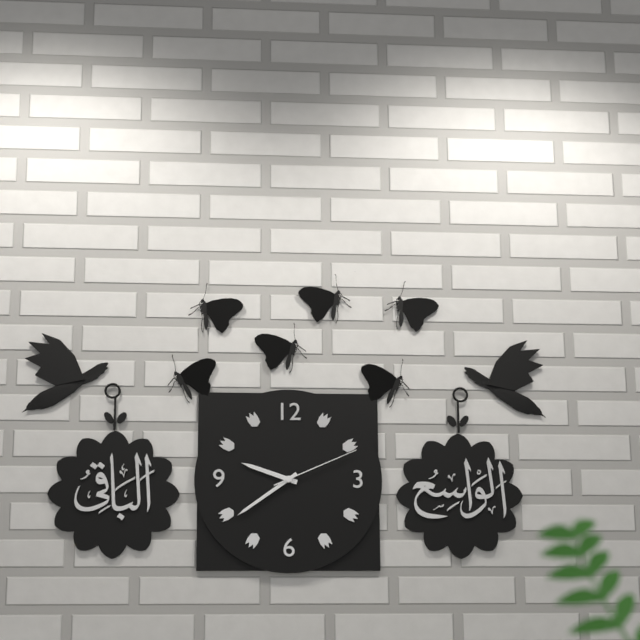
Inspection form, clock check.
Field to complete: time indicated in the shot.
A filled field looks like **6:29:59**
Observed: **9:39:11**
